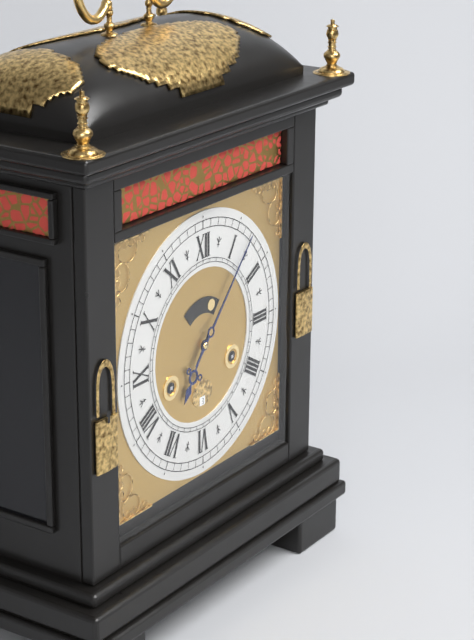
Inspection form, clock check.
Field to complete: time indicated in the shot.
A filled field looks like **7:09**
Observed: **7:07**
